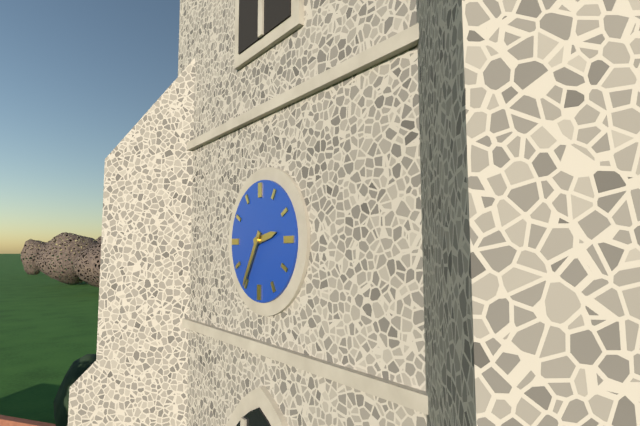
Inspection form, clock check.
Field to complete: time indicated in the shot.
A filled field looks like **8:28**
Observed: **2:35**
